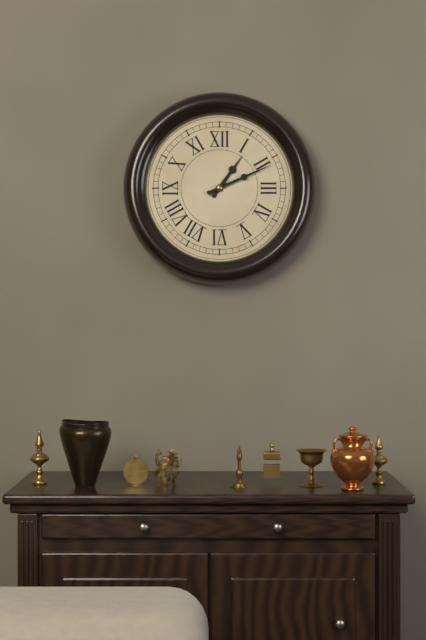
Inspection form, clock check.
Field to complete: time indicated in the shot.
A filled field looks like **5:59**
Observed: **1:11**
